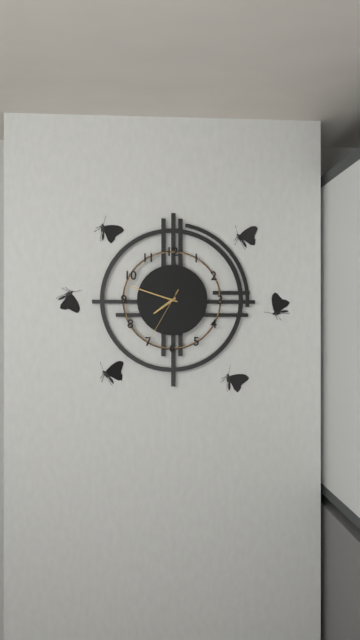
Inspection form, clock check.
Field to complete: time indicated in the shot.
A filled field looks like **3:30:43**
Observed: **7:48:35**
